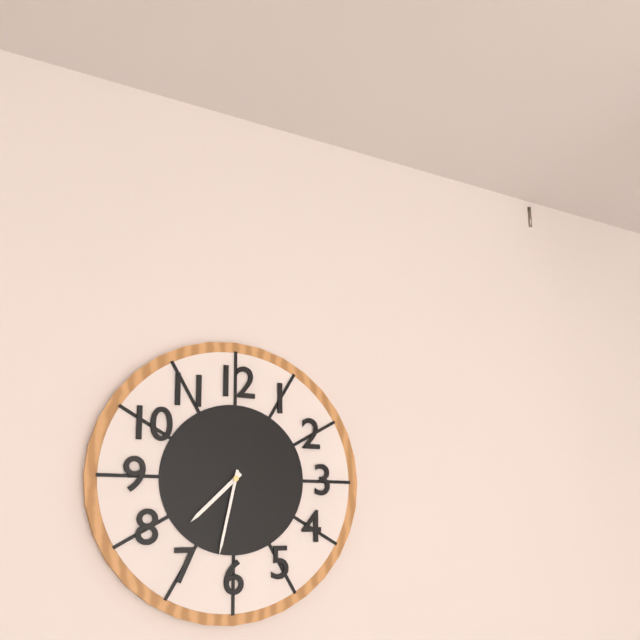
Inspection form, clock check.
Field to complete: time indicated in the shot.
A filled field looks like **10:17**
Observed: **7:32**
